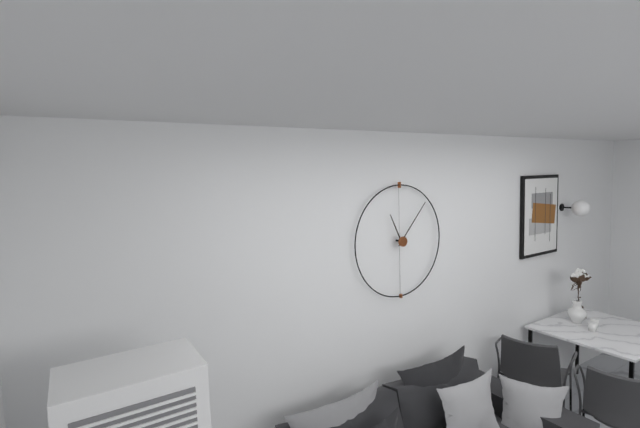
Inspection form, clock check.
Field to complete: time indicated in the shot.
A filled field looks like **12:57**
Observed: **11:07**
